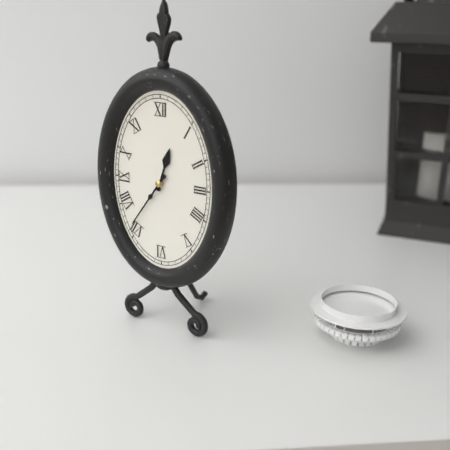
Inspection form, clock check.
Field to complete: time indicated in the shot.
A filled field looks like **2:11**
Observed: **12:36**
